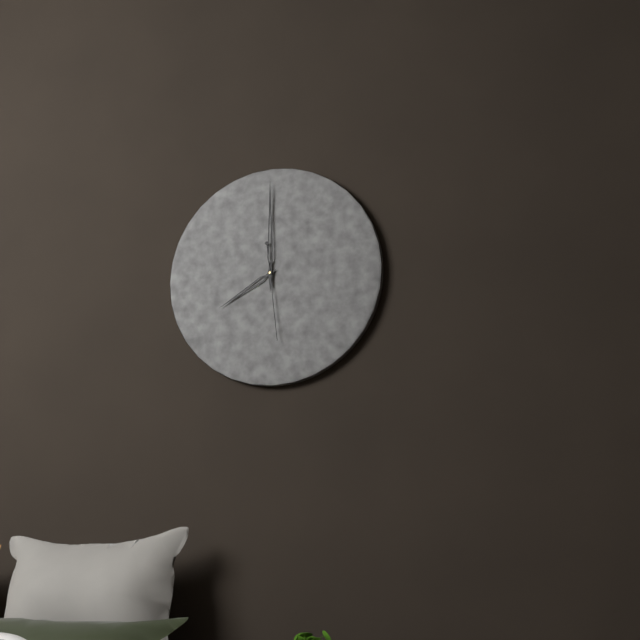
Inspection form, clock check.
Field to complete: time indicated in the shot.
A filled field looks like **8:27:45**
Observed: **8:00:29**
